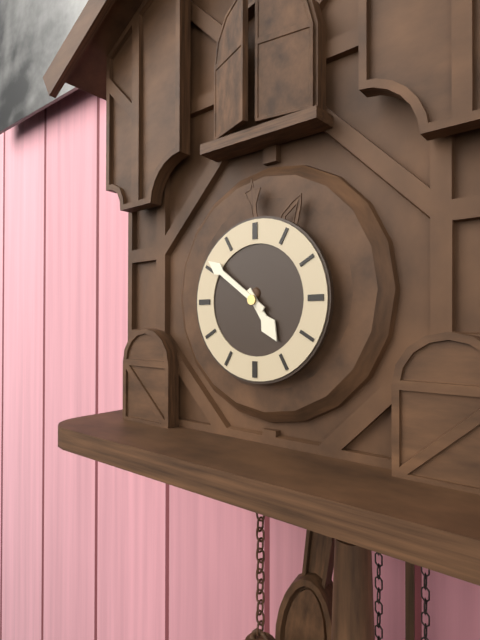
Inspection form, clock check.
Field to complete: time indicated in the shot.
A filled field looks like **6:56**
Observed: **4:51**
